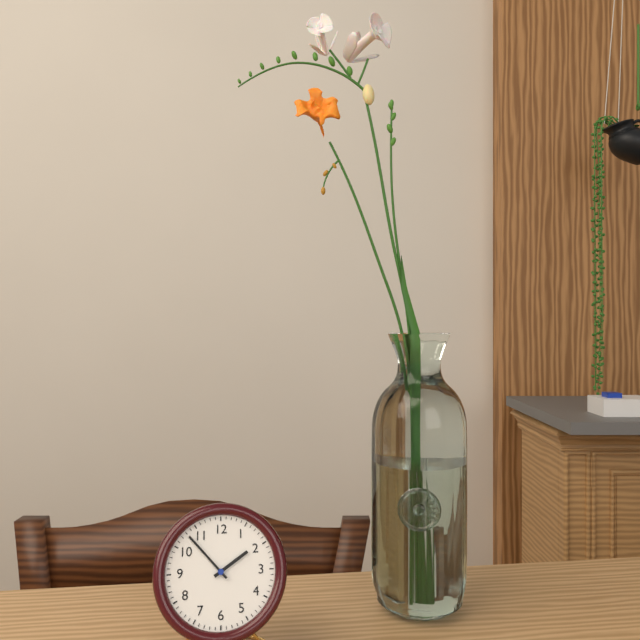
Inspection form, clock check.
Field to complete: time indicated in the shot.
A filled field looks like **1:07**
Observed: **1:53**
